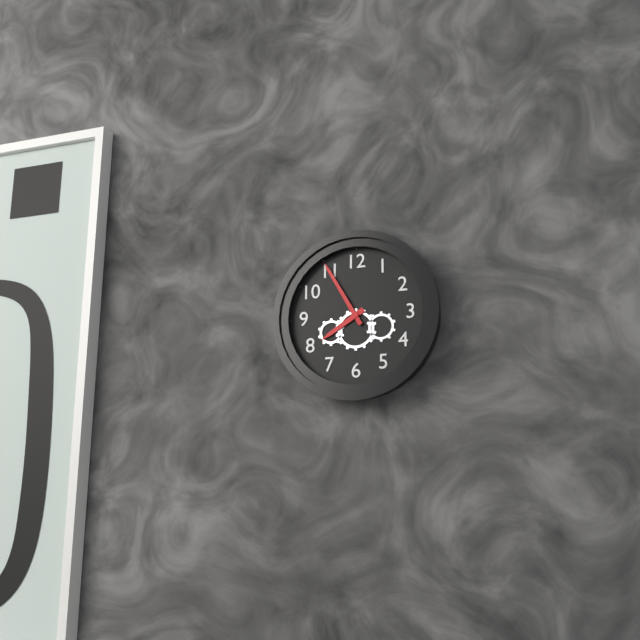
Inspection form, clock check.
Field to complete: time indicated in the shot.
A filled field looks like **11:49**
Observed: **7:55**
